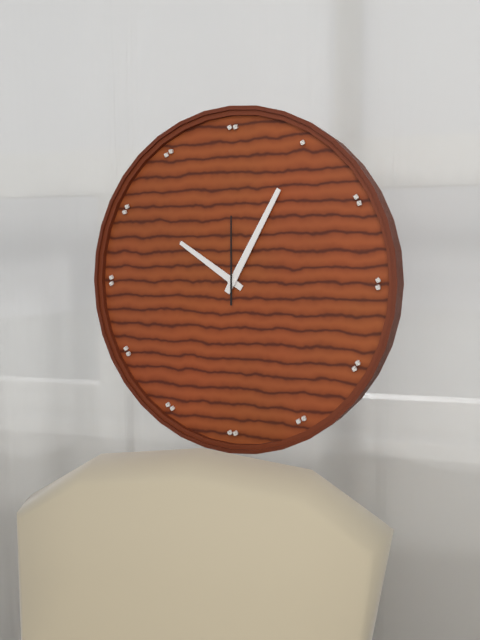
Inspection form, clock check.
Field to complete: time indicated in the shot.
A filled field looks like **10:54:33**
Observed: **10:05:00**
